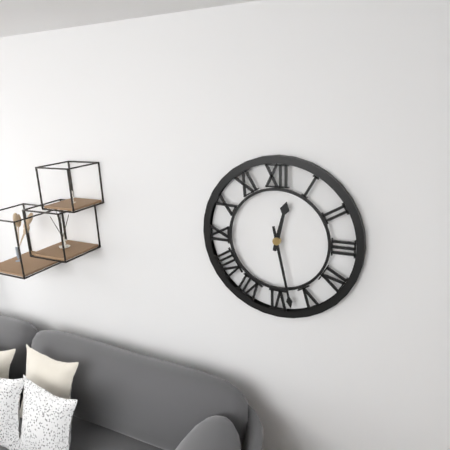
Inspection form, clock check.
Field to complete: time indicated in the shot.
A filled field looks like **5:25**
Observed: **12:28**
